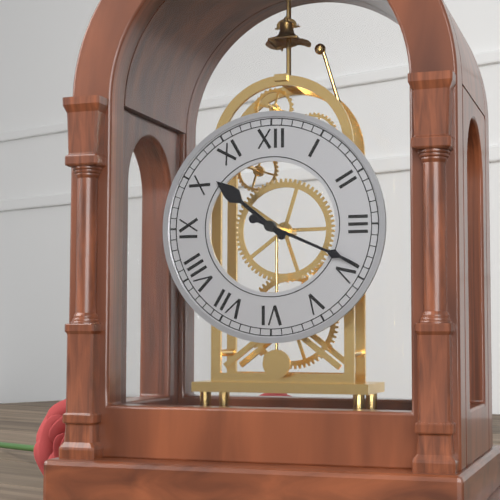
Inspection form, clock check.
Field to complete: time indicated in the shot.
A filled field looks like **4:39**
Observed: **10:19**
